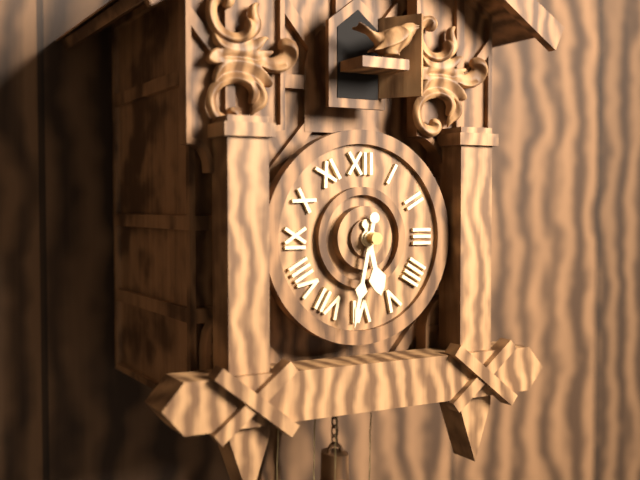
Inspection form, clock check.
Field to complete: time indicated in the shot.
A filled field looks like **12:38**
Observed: **5:32**
